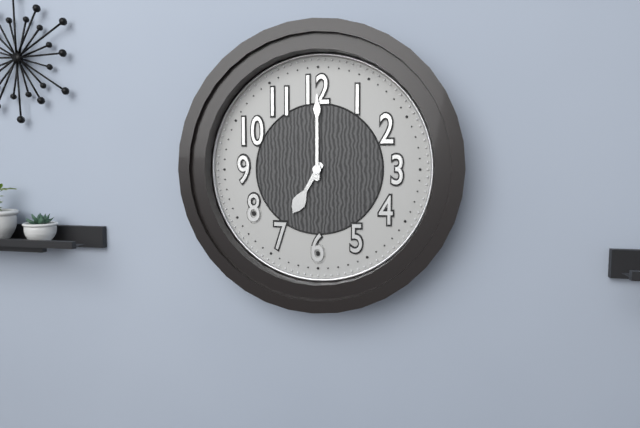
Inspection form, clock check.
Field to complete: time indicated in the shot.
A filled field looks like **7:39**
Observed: **7:00**
